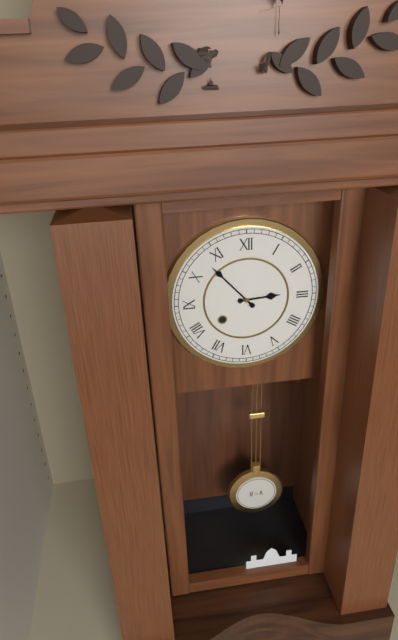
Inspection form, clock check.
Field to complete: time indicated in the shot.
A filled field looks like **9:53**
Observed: **2:53**
